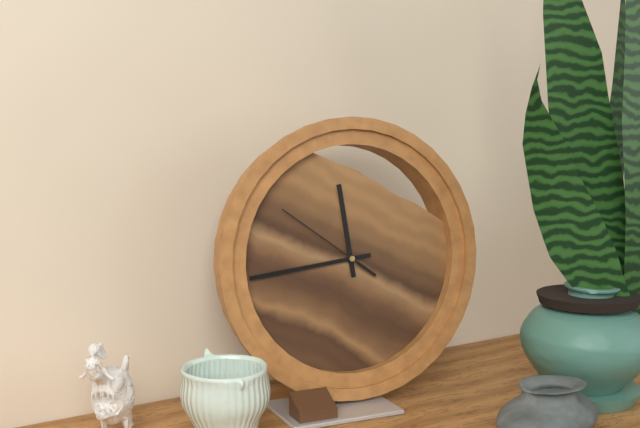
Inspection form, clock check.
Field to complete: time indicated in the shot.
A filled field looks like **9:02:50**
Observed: **11:44:51**
